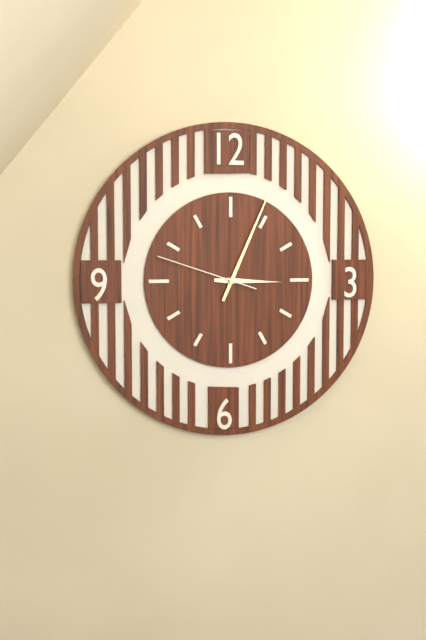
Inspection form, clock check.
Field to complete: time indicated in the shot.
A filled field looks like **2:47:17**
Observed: **3:04:48**
